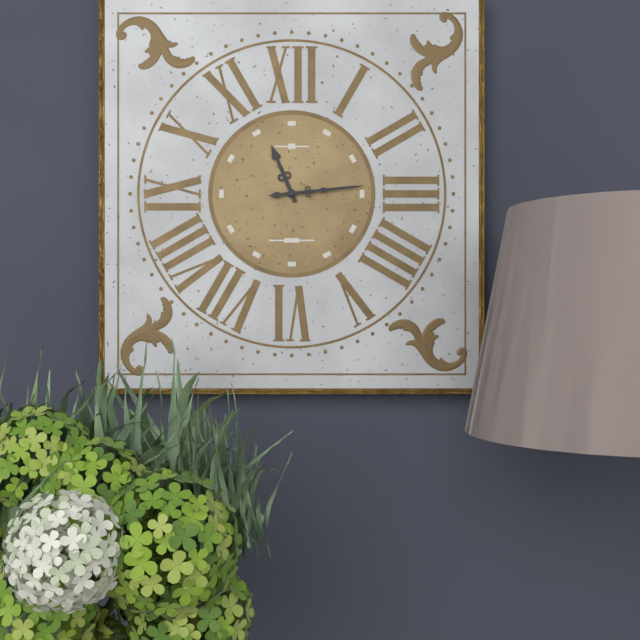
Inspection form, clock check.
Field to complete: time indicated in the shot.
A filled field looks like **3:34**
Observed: **11:14**
